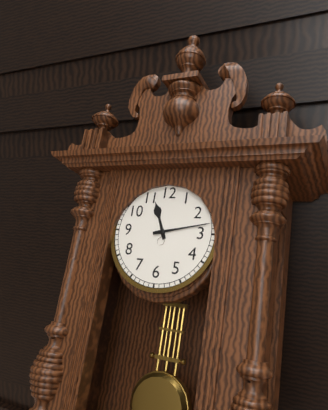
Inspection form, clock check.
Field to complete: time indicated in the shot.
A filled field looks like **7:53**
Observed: **11:13**
